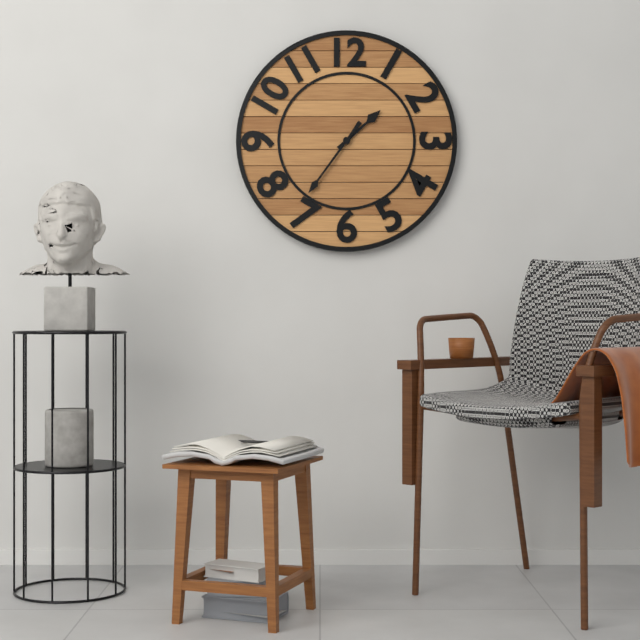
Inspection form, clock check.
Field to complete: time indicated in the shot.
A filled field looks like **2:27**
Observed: **1:36**
